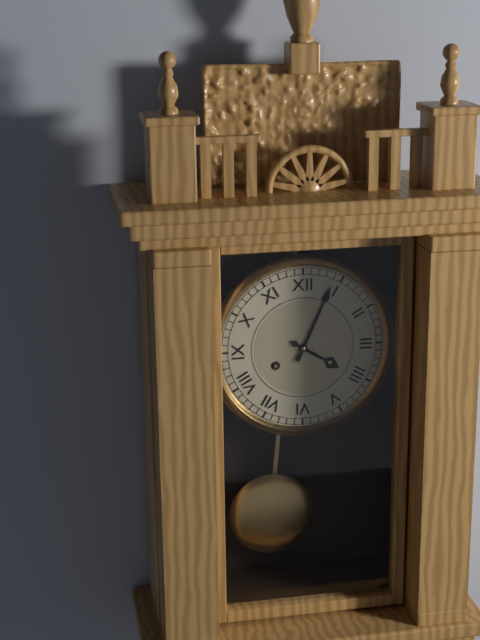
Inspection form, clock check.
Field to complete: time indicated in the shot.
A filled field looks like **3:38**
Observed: **4:04**
